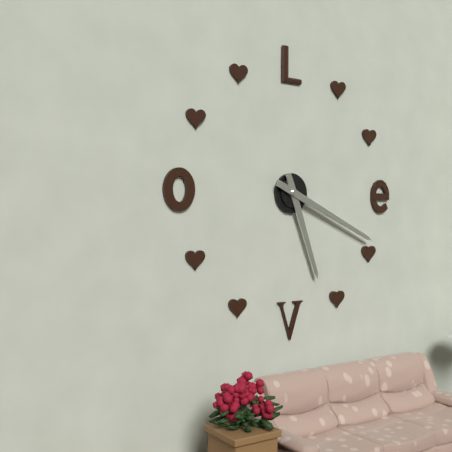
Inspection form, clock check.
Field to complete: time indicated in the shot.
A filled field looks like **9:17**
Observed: **5:19**
